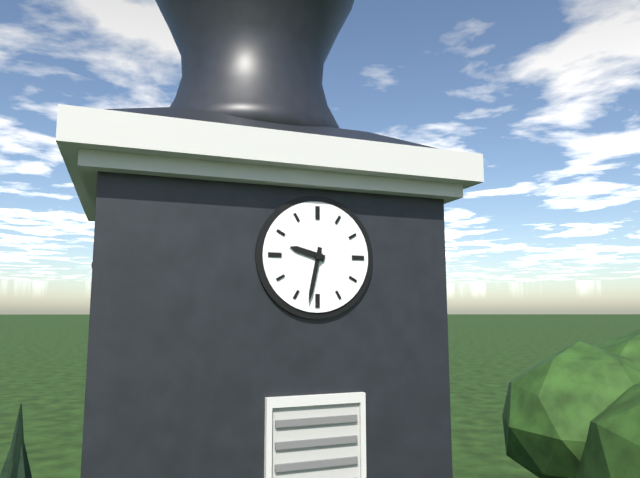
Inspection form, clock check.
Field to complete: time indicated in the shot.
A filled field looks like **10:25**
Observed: **9:32**
